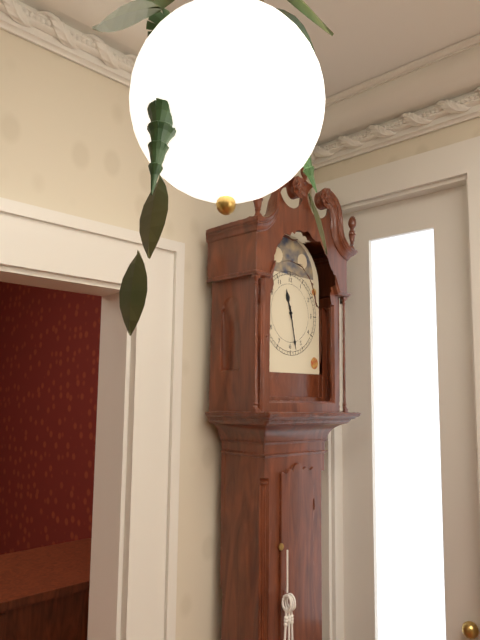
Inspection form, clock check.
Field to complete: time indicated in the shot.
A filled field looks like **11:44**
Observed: **11:28**
